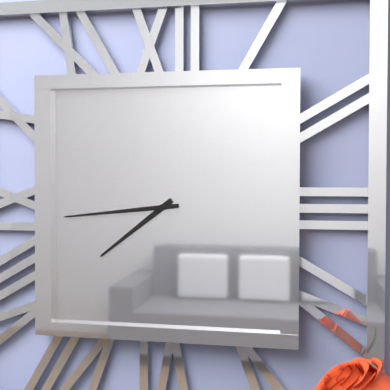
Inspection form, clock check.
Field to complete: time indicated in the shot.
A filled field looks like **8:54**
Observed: **7:44**
